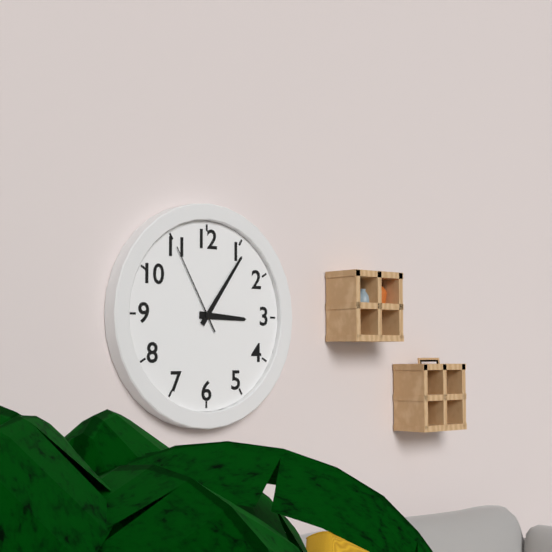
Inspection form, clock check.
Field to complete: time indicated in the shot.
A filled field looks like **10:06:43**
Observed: **3:06:55**
